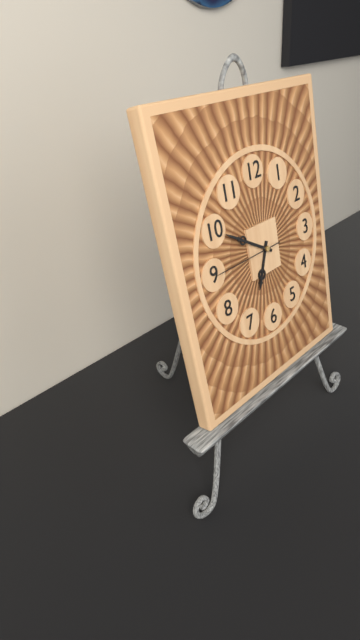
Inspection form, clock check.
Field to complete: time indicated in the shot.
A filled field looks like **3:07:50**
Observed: **6:50:45**
